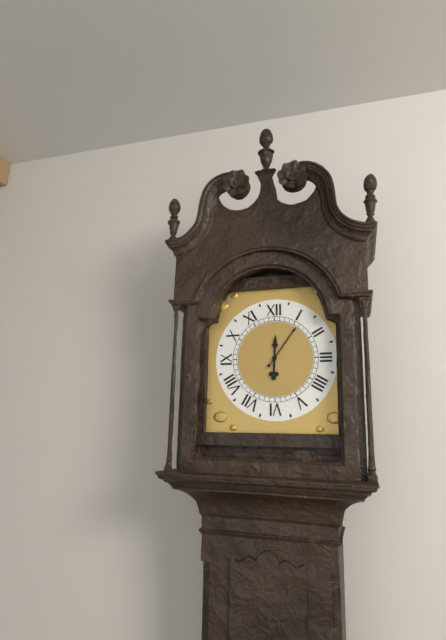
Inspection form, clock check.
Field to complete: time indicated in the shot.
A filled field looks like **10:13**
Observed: **12:06**
